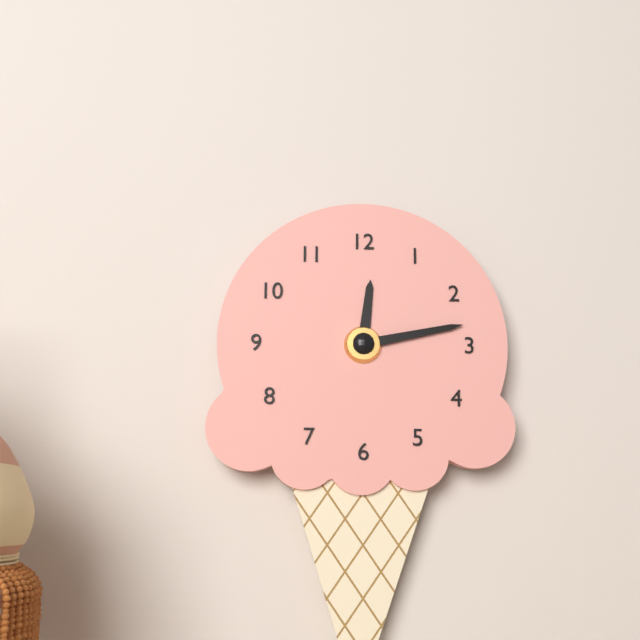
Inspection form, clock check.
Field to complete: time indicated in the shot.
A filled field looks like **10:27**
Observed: **12:13**
